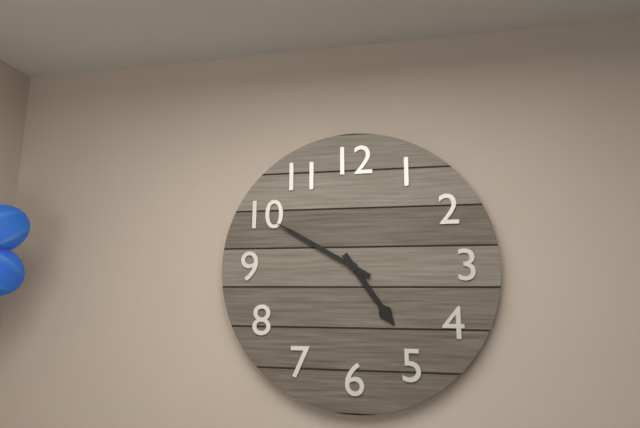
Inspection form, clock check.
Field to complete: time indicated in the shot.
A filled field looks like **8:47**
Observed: **4:50**
